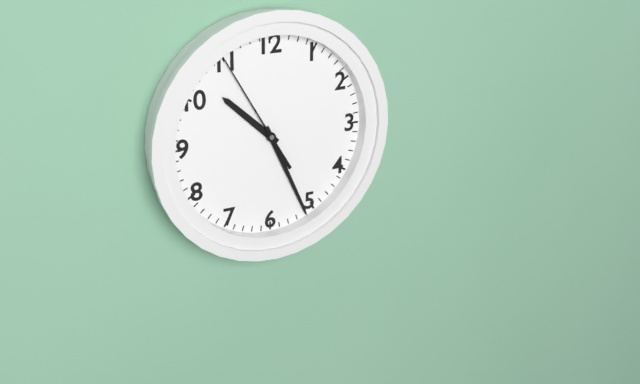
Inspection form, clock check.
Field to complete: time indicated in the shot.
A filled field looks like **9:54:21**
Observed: **10:26:55**
